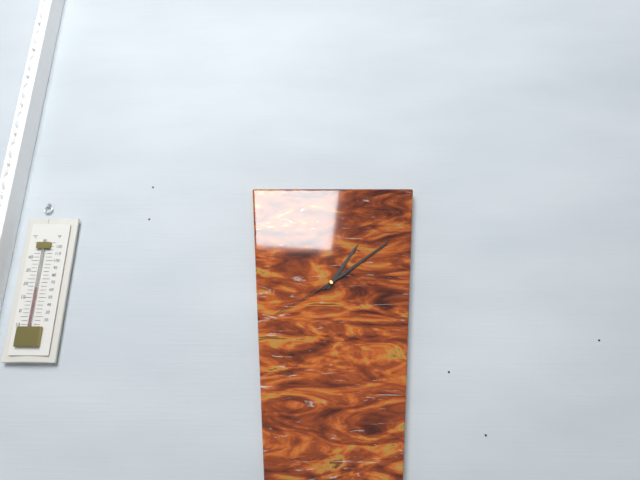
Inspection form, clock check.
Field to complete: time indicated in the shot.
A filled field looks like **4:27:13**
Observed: **1:09:40**
